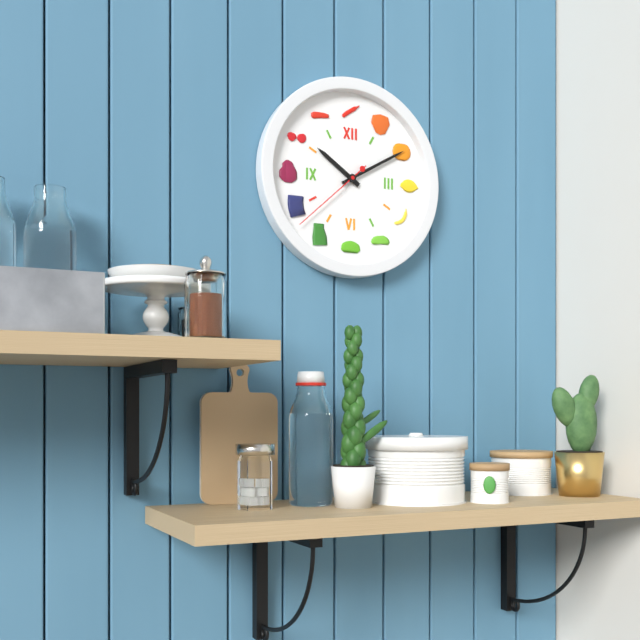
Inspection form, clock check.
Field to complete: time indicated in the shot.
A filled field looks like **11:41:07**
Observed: **10:10:38**
